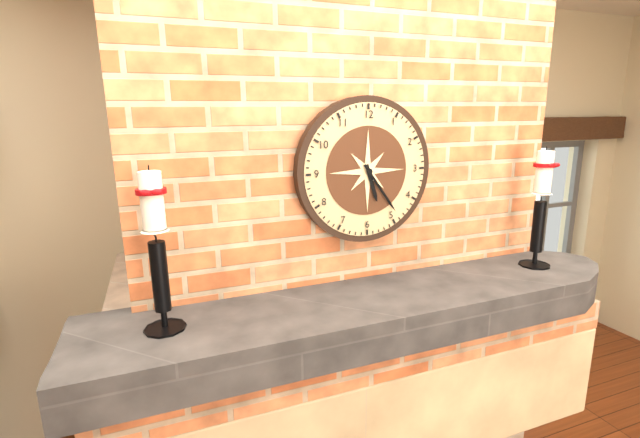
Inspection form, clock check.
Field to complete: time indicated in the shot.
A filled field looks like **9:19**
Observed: **5:24**
